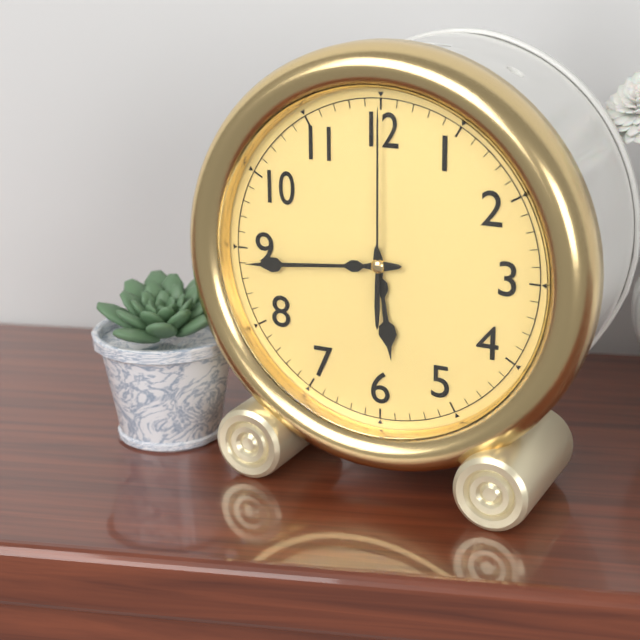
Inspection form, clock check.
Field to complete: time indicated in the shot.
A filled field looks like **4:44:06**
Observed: **5:44:00**
